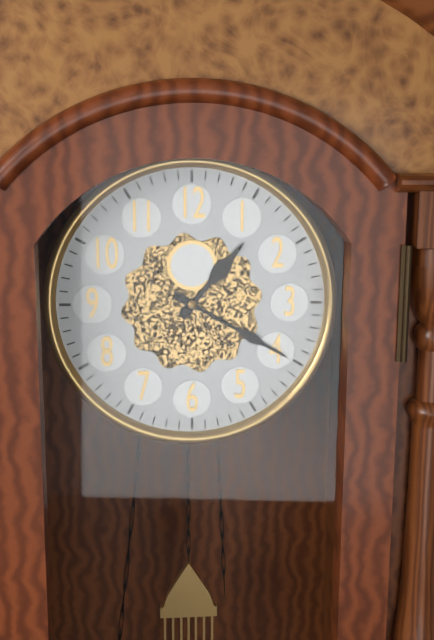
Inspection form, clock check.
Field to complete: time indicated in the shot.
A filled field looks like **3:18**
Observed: **1:20**
